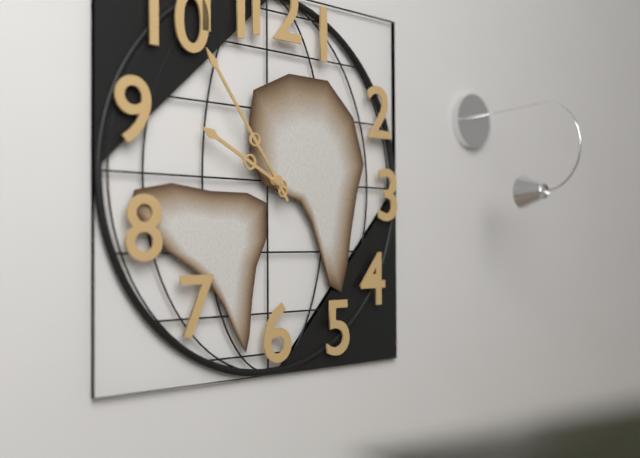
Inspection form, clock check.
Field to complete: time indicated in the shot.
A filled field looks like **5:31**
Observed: **9:54**
